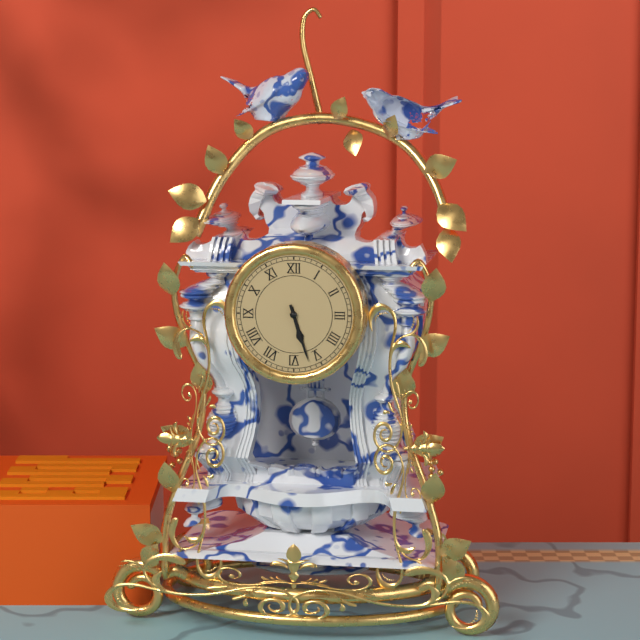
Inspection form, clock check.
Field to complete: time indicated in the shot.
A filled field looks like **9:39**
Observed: **5:27**
